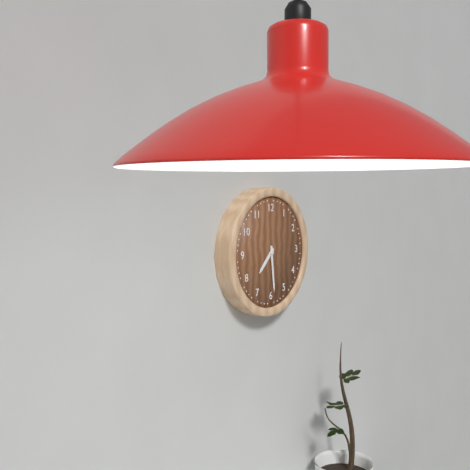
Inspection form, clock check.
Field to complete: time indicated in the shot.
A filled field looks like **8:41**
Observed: **7:29**
